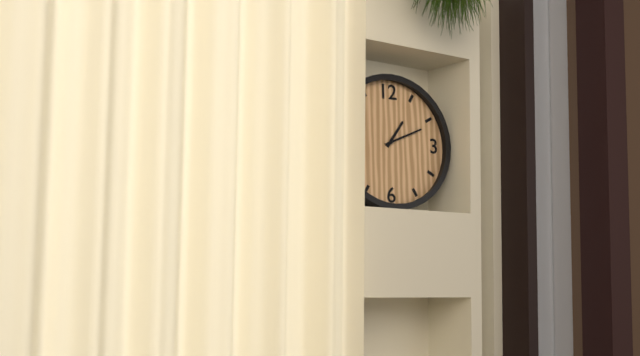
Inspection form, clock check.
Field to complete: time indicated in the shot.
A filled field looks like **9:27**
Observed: **1:11**
